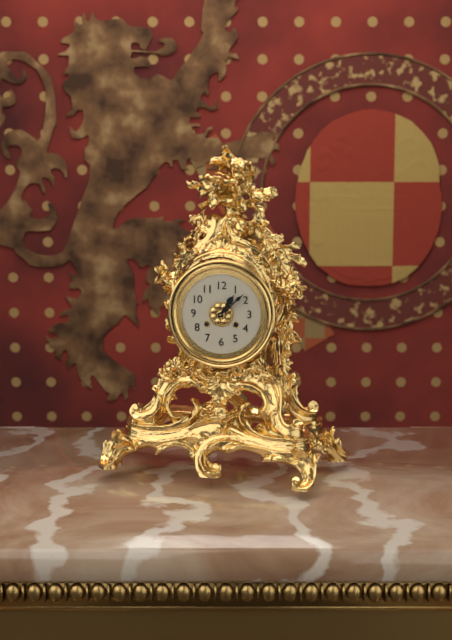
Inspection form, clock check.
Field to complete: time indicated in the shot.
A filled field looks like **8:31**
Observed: **1:08**
